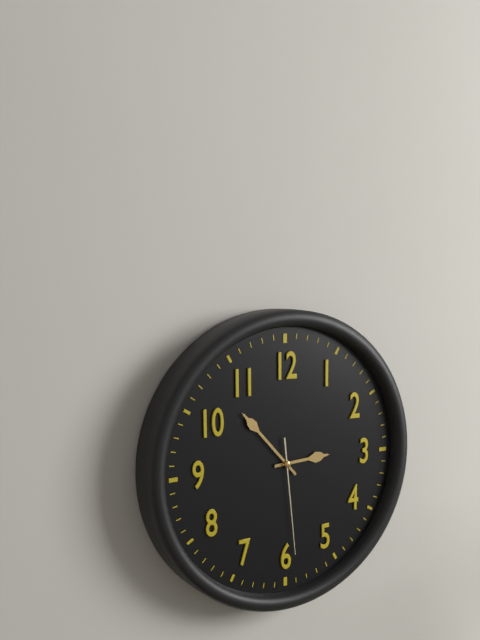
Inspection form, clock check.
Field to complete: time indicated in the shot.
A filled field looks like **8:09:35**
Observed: **2:53:29**
